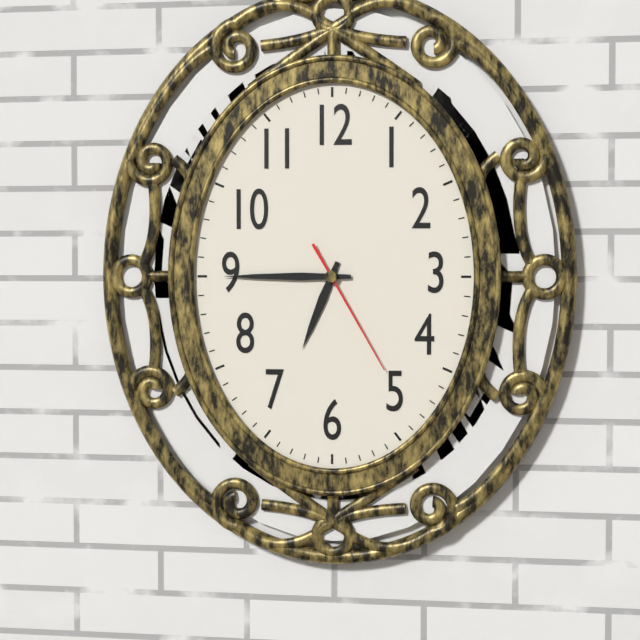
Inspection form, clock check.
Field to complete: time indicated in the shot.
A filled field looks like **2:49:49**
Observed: **6:45:25**
